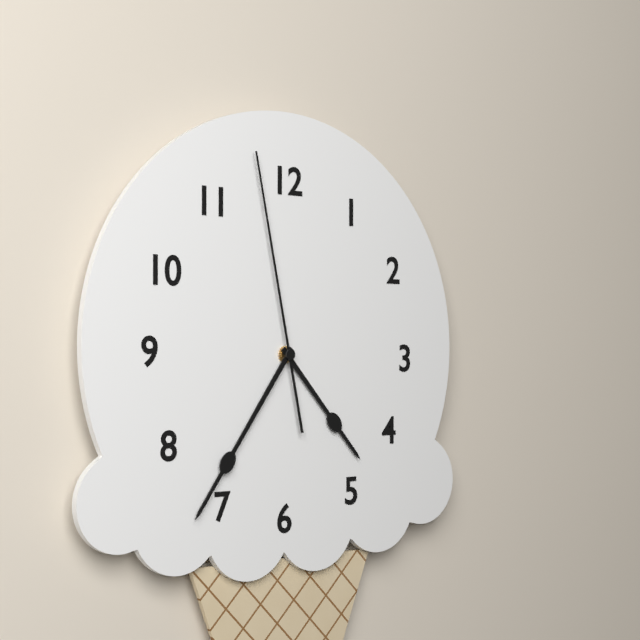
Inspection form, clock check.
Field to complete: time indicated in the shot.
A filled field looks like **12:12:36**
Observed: **4:36:58**
